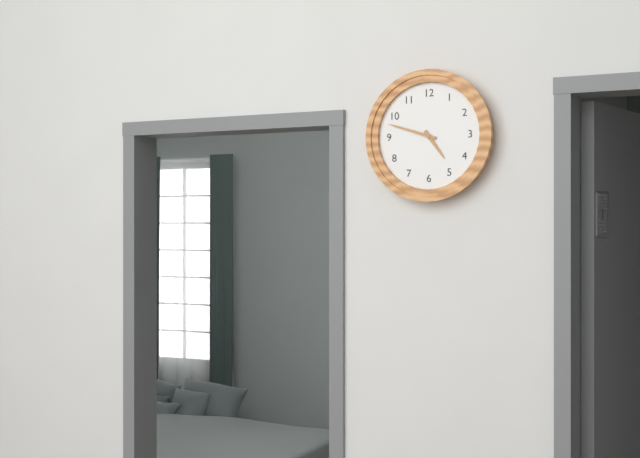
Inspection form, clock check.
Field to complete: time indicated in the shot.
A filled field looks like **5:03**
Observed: **4:48**
